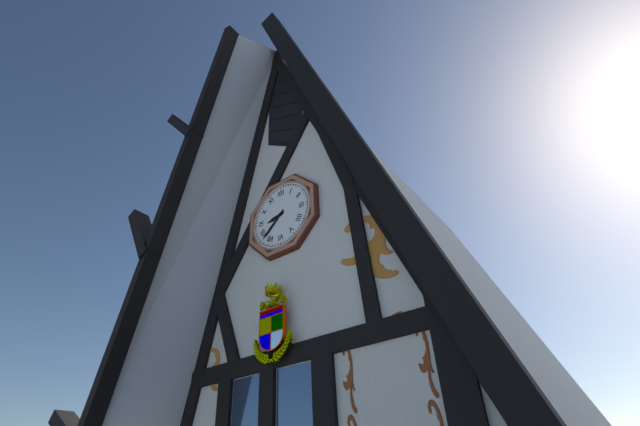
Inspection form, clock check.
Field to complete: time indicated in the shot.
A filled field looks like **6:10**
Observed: **8:38**
